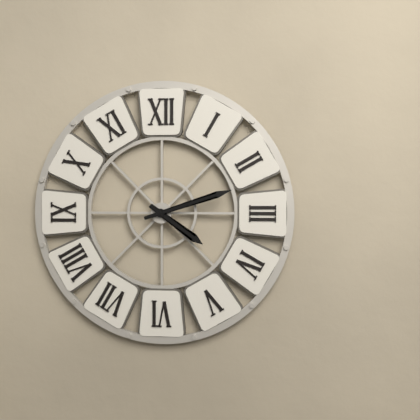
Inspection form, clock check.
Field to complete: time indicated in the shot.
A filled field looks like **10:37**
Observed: **4:12**
